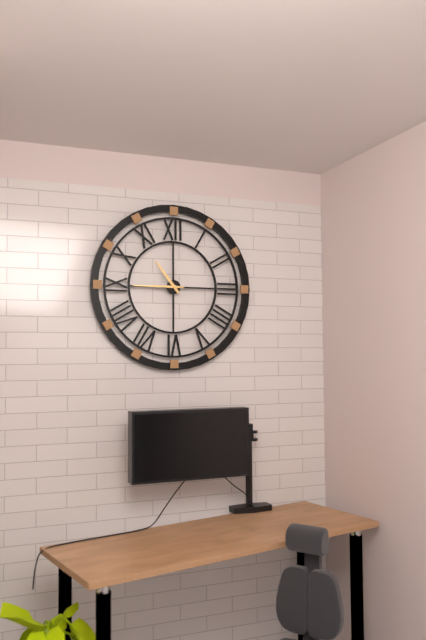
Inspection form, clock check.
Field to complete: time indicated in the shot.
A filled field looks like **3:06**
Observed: **10:45**
